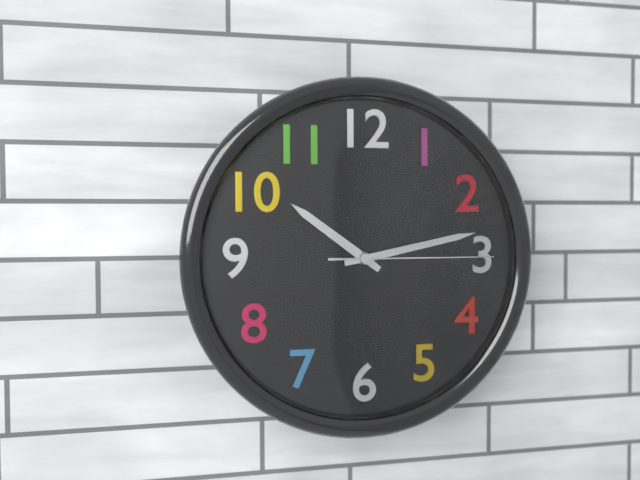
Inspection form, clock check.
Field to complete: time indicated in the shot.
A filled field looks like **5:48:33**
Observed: **10:13:15**
